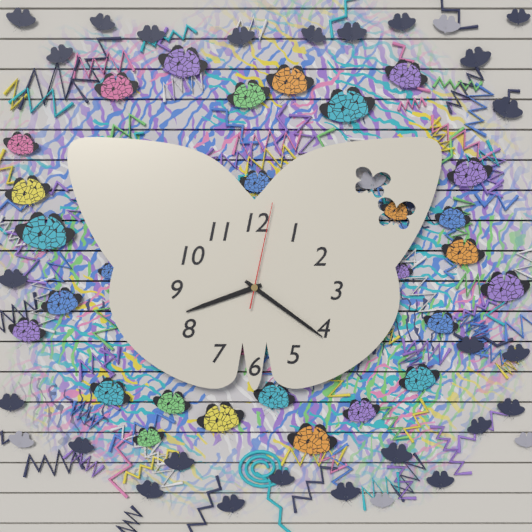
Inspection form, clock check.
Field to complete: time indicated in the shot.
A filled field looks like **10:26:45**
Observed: **8:21:02**
